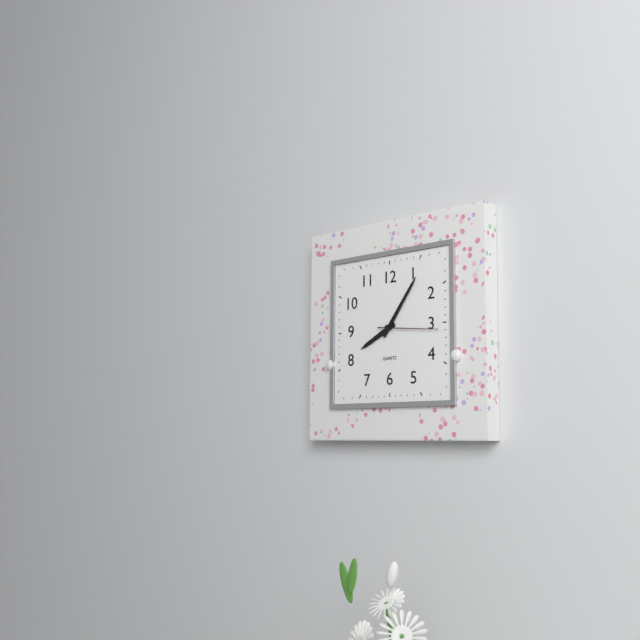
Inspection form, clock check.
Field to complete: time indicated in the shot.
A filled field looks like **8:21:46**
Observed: **8:06:16**
